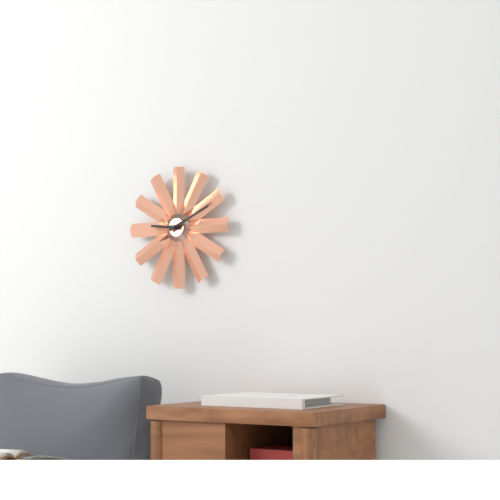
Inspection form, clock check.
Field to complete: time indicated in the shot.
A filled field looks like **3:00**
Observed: **9:11**
